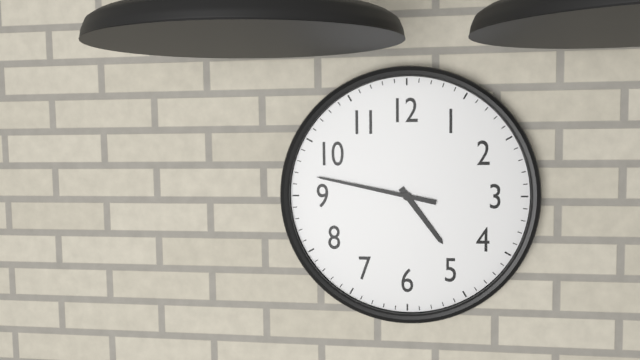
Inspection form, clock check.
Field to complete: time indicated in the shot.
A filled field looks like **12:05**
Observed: **4:47**
